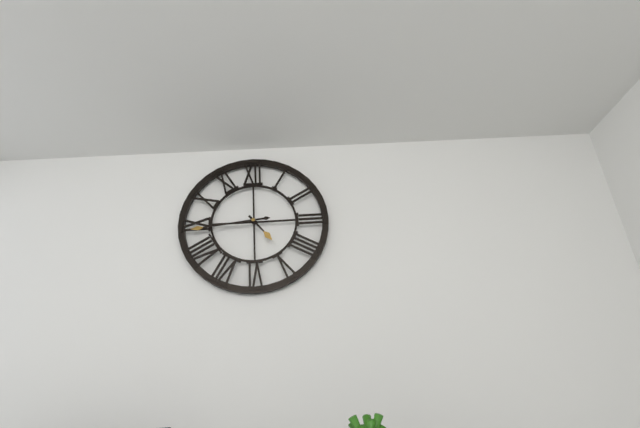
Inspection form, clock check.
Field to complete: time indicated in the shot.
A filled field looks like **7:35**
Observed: **4:44**
